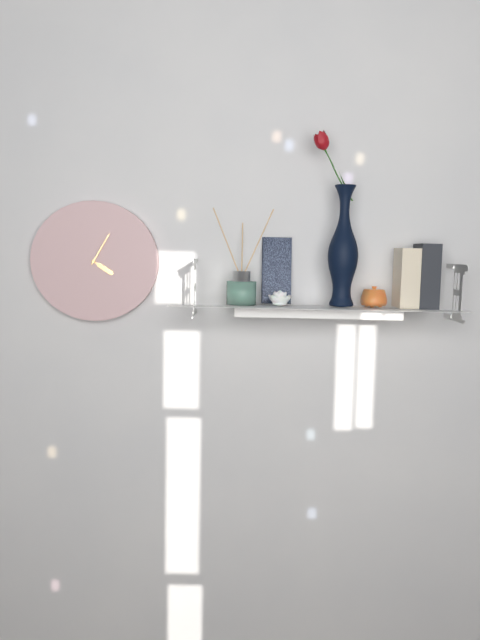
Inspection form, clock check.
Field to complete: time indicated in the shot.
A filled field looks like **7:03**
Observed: **4:05**
